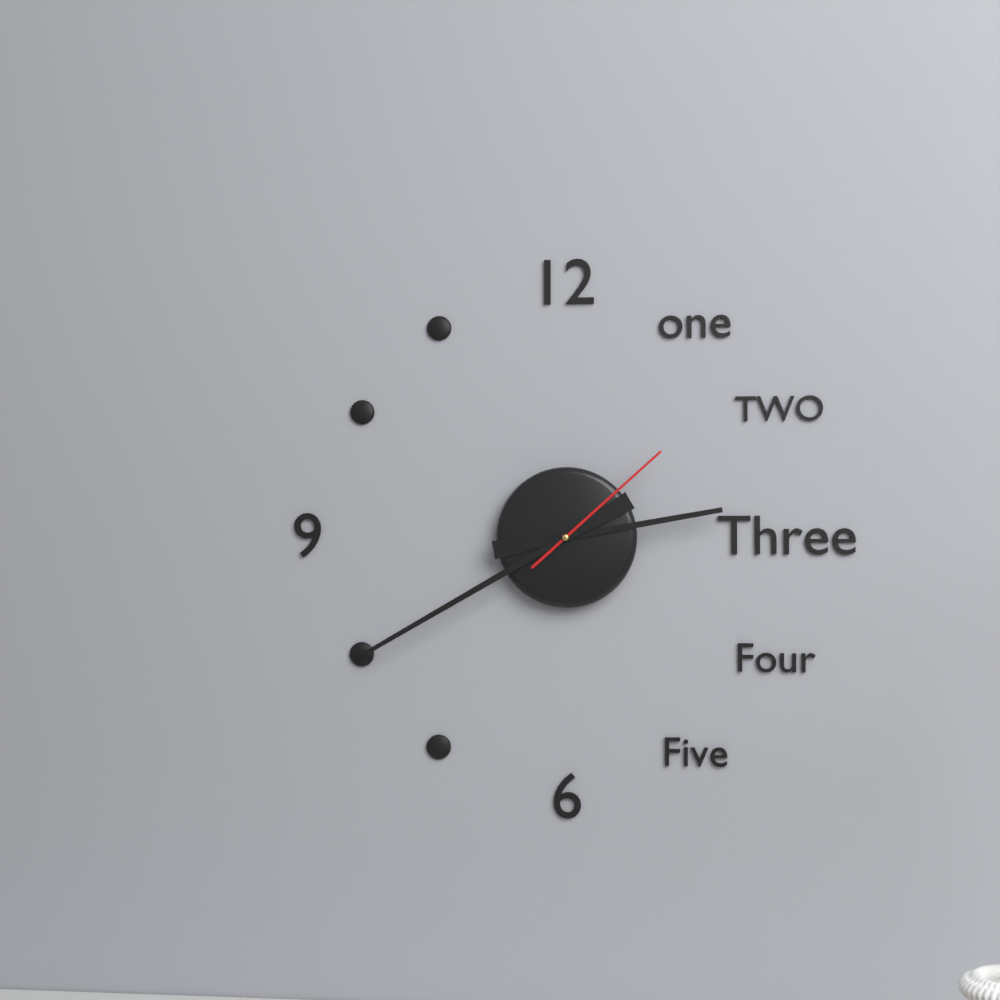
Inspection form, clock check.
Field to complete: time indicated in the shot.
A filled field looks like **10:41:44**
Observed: **2:40:08**
